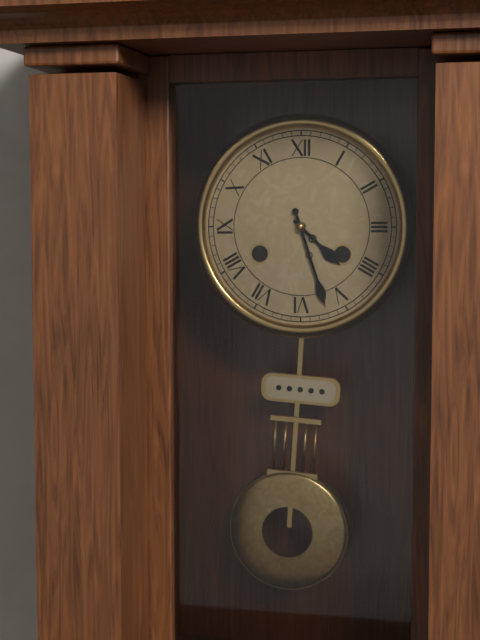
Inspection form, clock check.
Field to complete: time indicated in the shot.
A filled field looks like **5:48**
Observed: **4:27**
